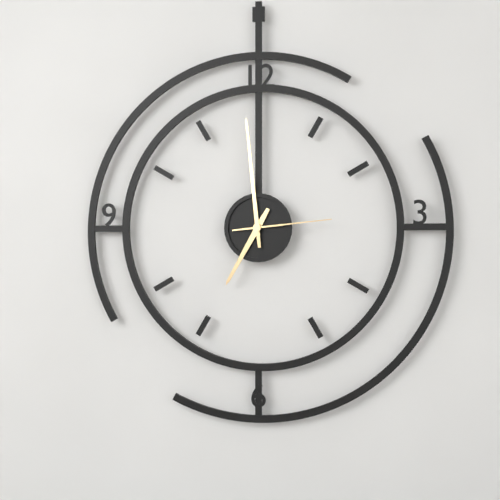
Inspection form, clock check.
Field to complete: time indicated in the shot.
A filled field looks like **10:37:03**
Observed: **6:59:14**
